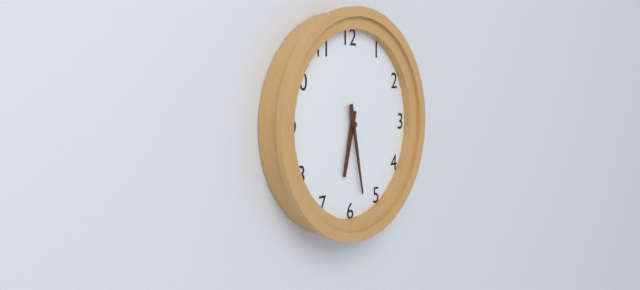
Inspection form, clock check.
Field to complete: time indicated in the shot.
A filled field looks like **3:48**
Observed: **6:28**
